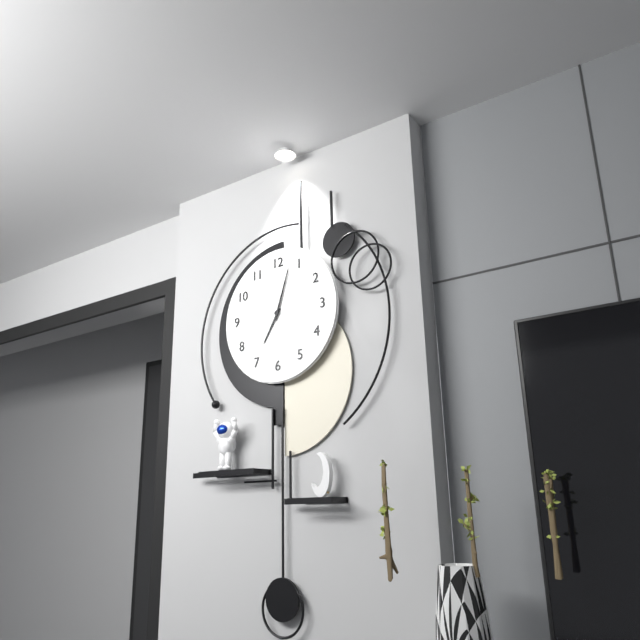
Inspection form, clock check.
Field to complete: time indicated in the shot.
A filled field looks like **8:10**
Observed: **7:03**
